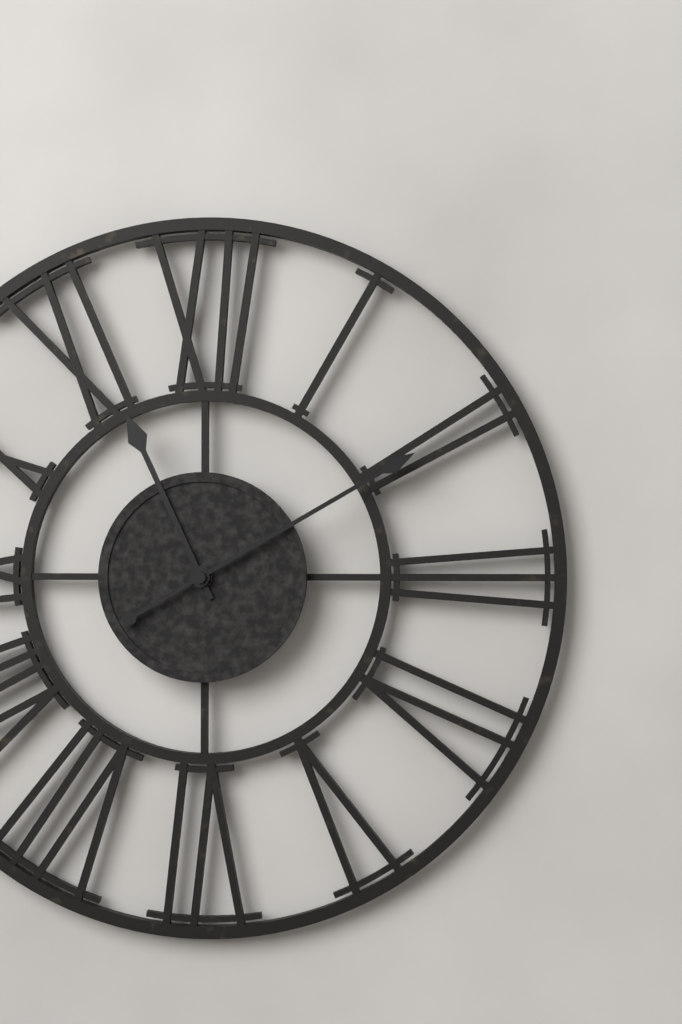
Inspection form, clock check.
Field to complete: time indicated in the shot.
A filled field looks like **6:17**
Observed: **11:10**
